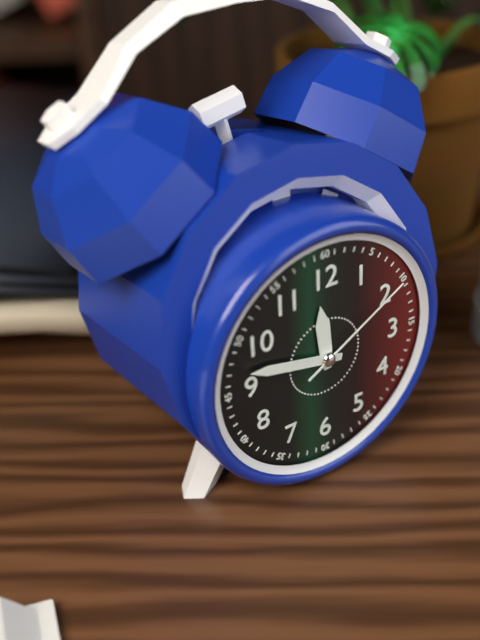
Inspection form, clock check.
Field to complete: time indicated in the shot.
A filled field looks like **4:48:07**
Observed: **11:47:10**
